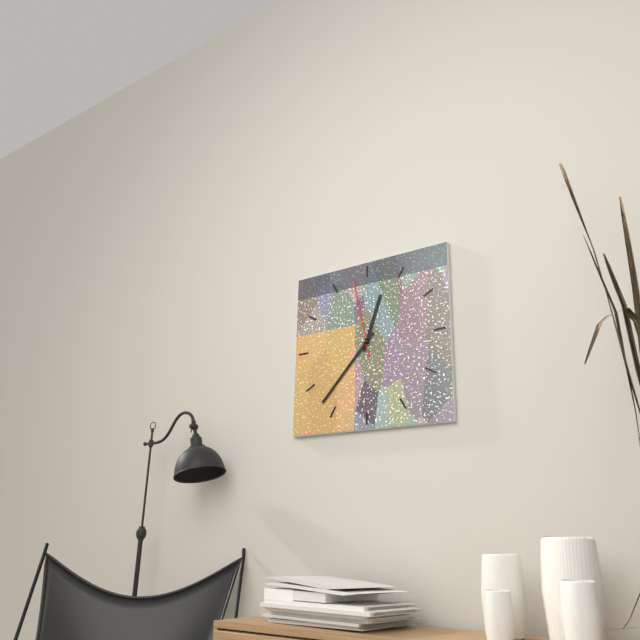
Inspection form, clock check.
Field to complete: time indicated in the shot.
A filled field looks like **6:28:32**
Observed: **12:37:58**
